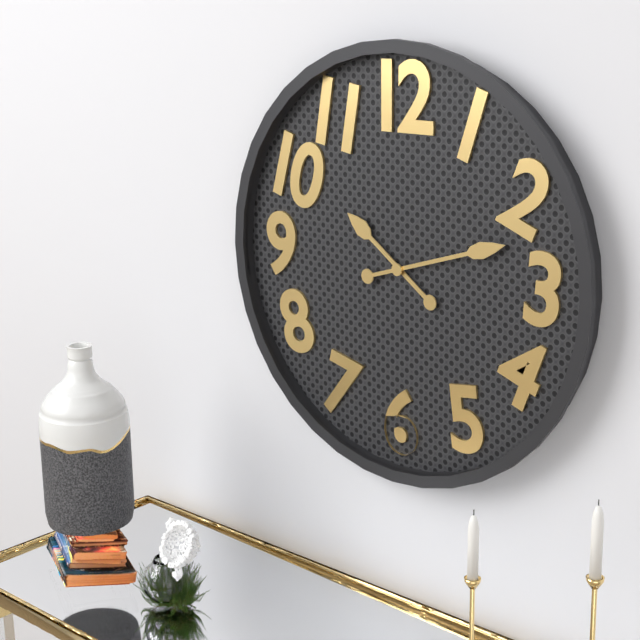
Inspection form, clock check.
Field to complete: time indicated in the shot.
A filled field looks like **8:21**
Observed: **10:12**
